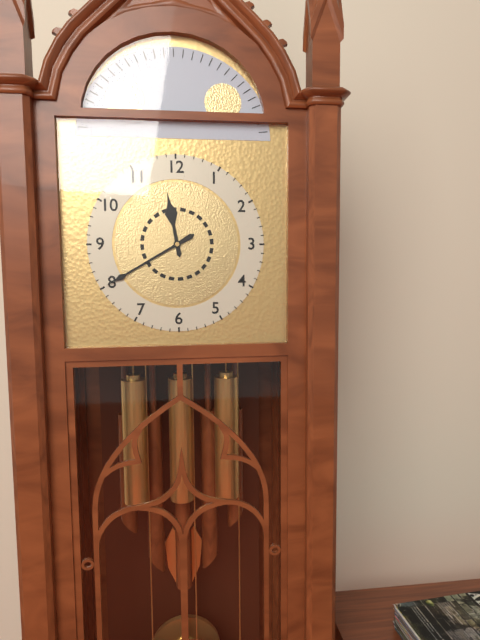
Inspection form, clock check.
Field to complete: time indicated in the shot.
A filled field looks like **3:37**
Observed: **11:40**
